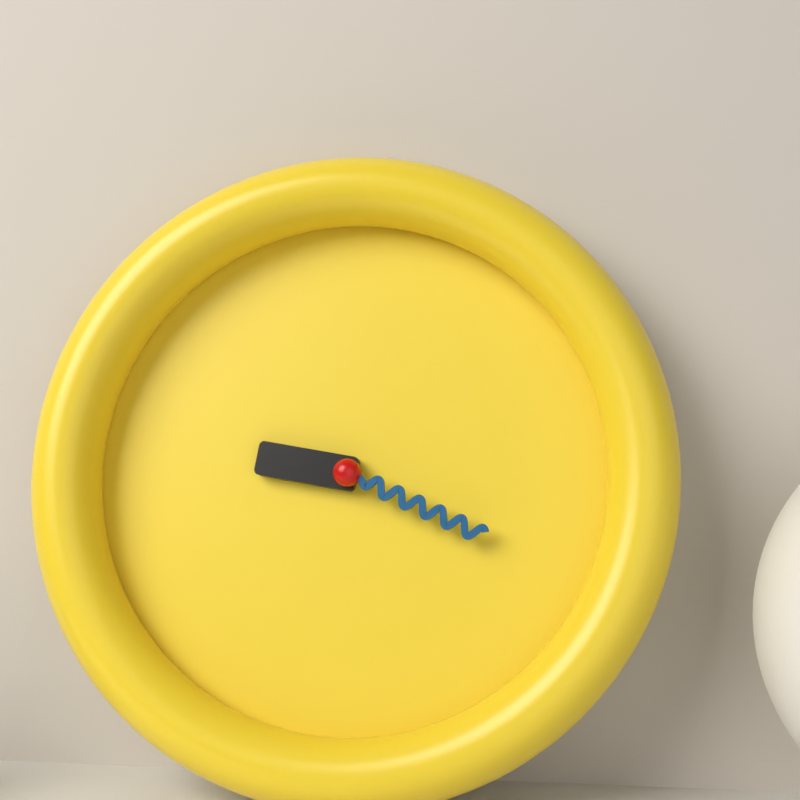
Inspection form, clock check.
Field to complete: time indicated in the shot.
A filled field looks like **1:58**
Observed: **9:19**
